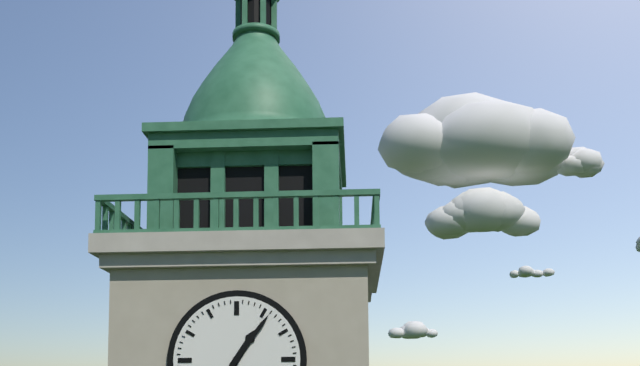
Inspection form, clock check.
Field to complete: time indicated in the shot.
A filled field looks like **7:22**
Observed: **1:06**
